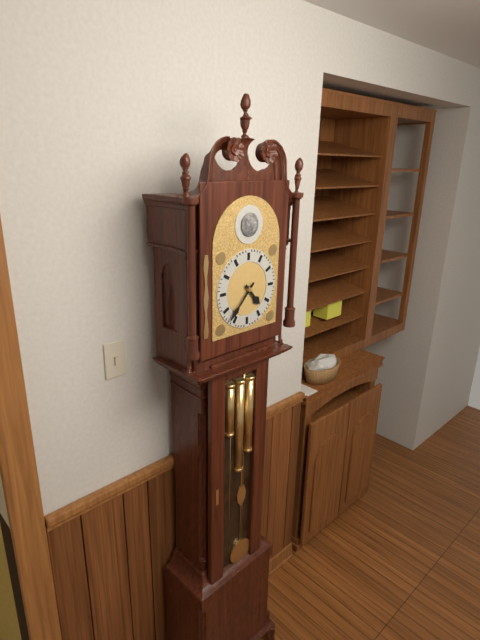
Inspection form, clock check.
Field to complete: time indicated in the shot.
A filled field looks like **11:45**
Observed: **4:37**
